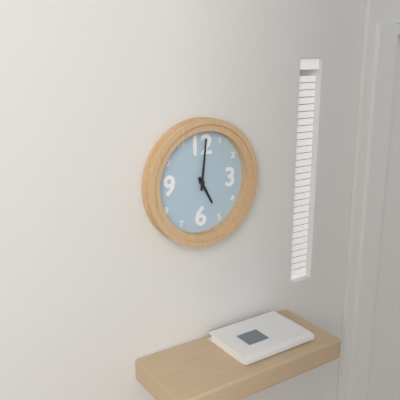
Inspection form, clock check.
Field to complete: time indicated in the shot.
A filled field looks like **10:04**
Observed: **5:01**
